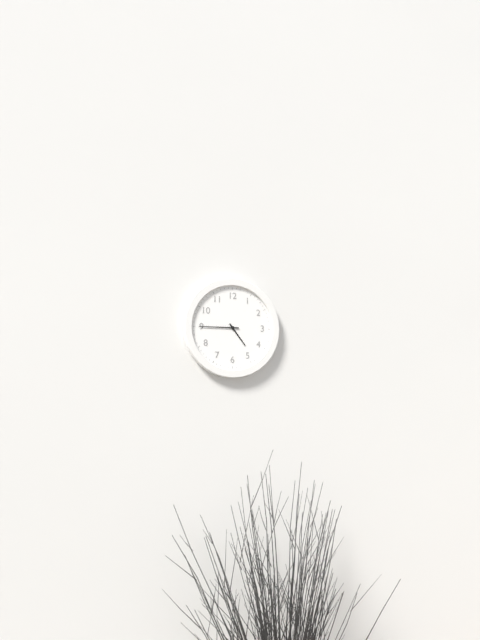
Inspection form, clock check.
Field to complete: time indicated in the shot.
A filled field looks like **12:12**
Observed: **4:45**
